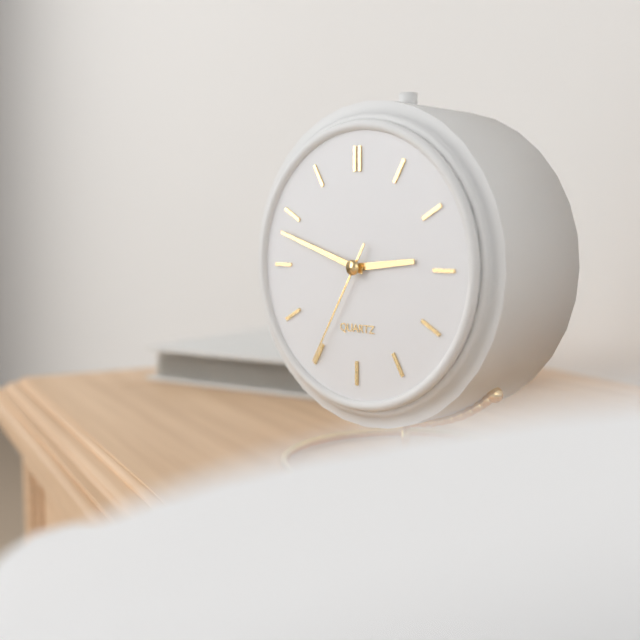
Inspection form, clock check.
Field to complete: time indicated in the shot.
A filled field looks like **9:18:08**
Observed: **2:48:35**
